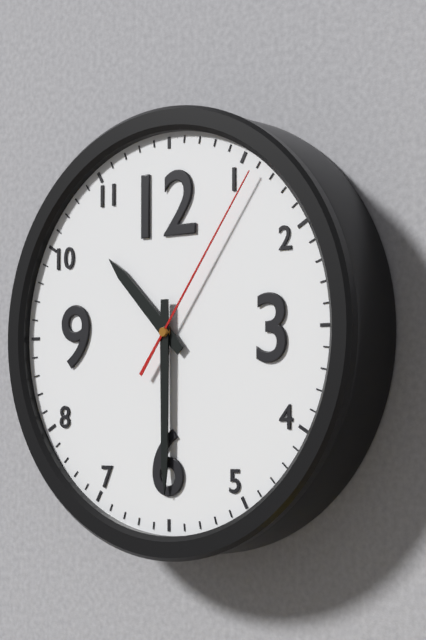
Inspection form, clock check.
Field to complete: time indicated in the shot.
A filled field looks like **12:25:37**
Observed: **10:30:06**
